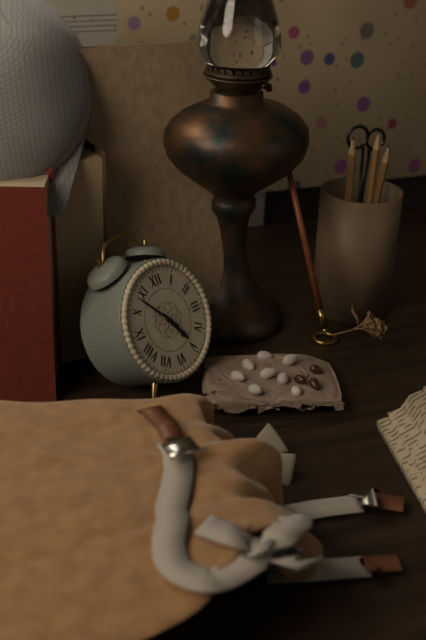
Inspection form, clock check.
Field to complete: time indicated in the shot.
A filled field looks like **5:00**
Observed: **4:53**
